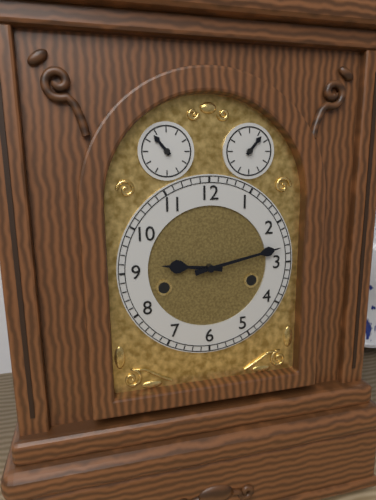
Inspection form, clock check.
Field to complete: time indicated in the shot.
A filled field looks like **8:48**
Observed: **9:13**
